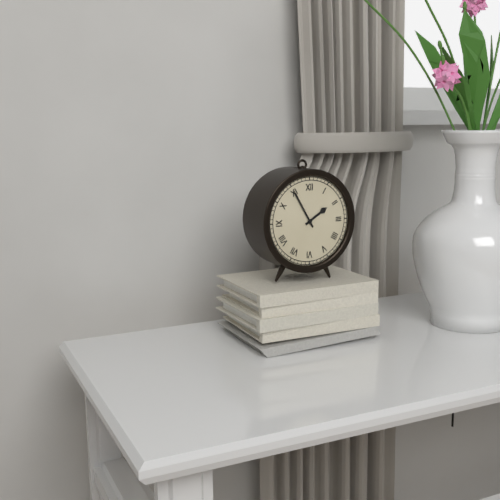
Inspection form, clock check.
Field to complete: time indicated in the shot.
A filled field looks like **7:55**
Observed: **1:55**
